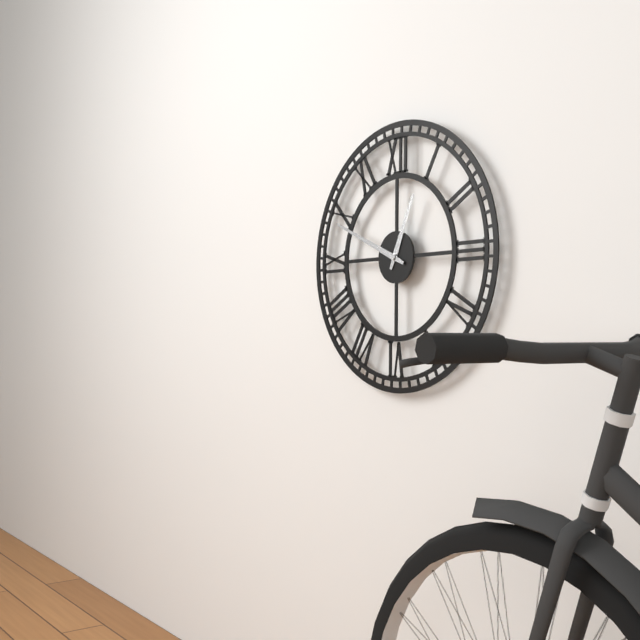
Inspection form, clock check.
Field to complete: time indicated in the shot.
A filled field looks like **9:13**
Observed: **12:49**
